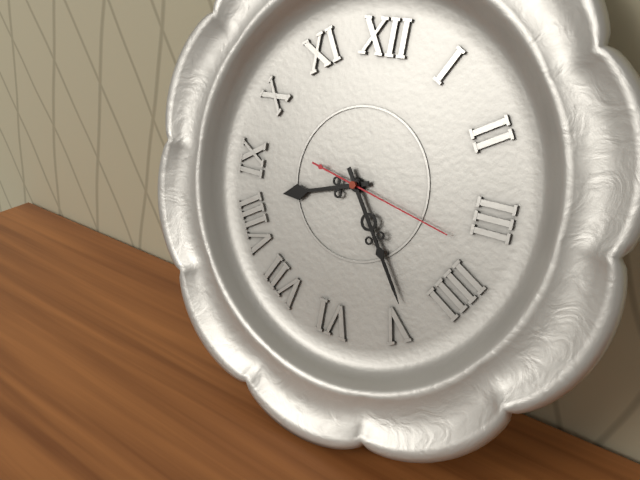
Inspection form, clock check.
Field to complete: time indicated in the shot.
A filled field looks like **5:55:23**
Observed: **8:24:17**
